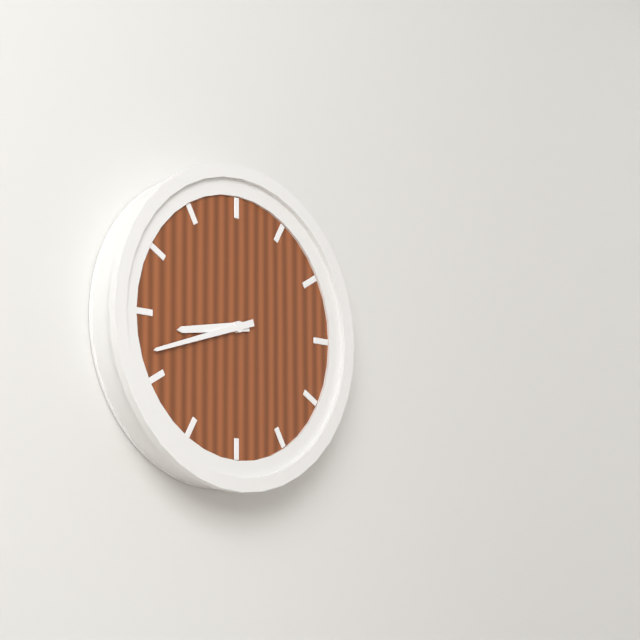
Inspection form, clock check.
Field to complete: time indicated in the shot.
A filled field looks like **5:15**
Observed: **8:42**
